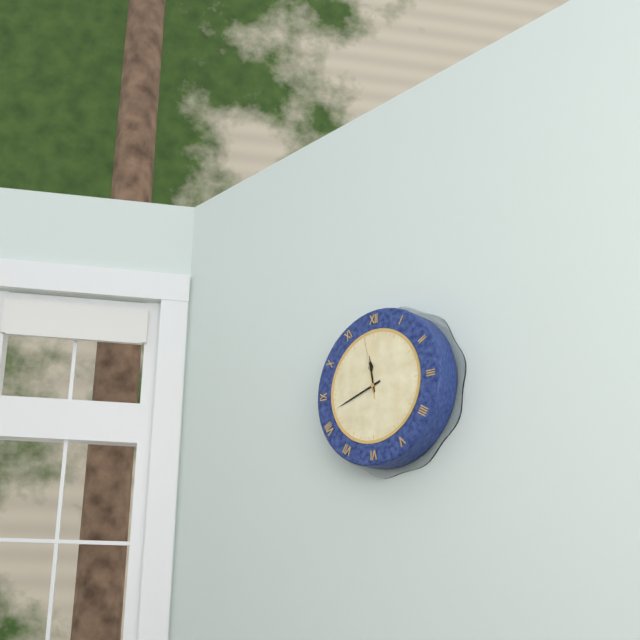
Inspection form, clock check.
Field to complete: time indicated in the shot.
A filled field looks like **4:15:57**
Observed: **11:42:58**
